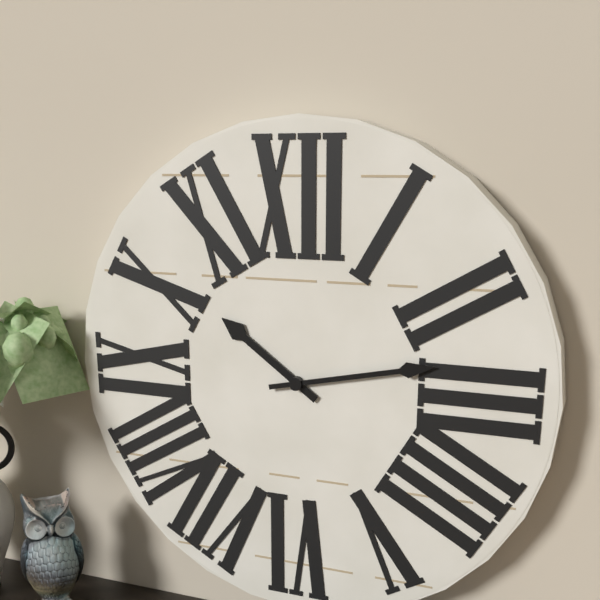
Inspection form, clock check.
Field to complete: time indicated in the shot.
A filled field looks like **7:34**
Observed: **10:13**
